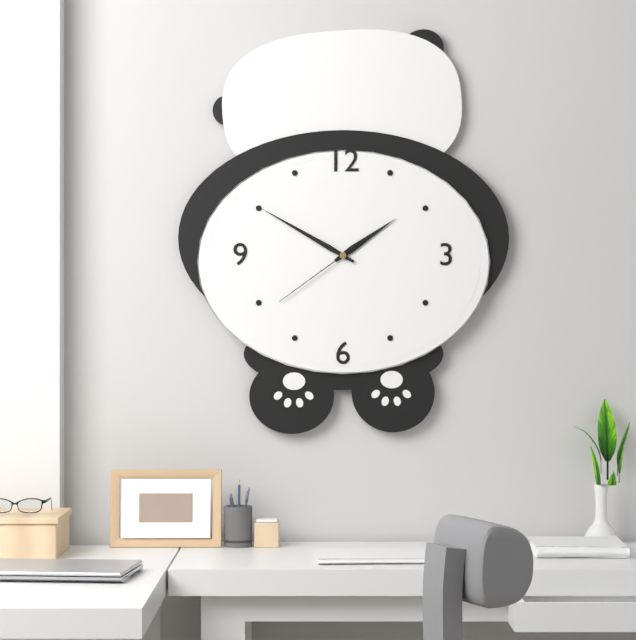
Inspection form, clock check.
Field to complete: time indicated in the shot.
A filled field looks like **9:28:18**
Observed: **1:50:39**
